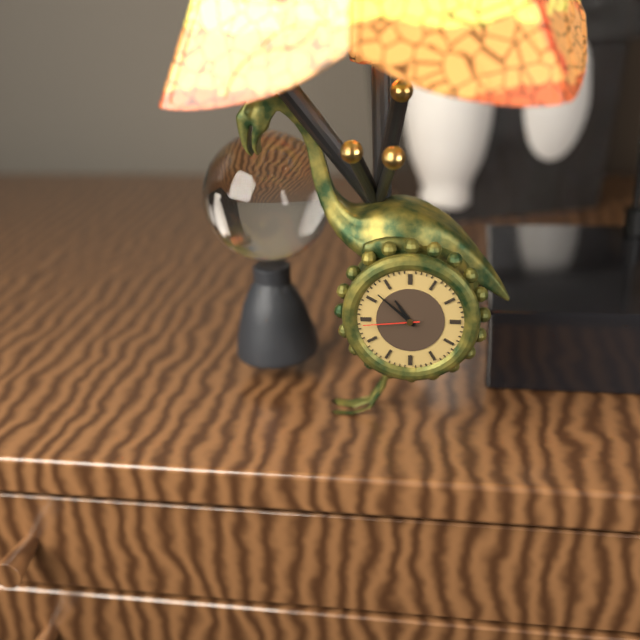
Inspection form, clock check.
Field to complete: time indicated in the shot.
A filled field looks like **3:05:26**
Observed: **10:52:44**
